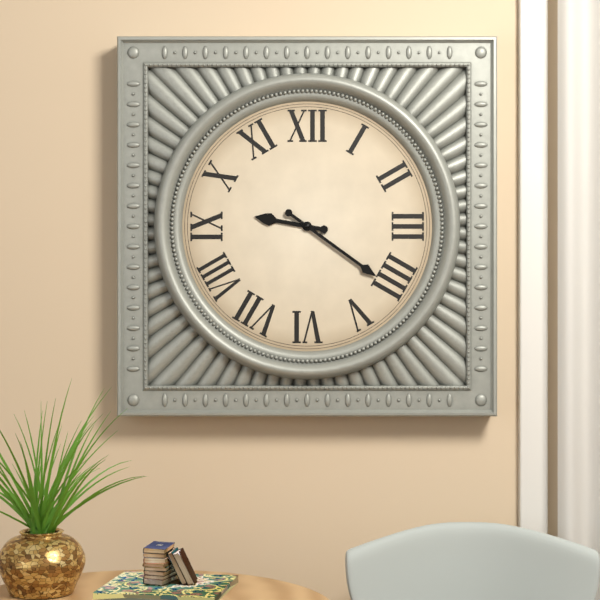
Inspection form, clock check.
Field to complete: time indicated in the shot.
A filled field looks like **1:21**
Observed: **9:21**
